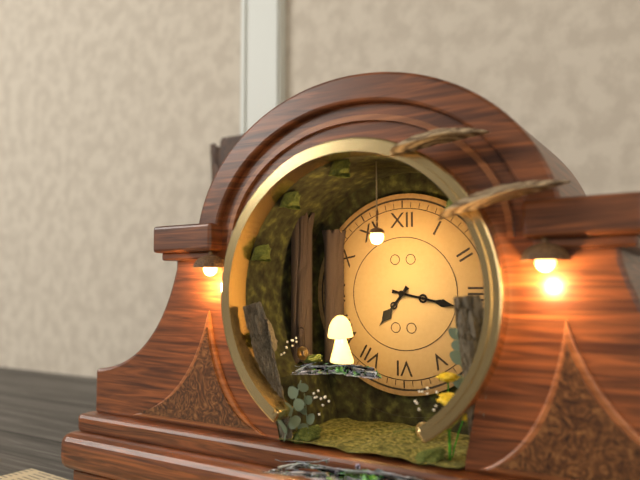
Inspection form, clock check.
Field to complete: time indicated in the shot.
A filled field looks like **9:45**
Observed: **7:17**
